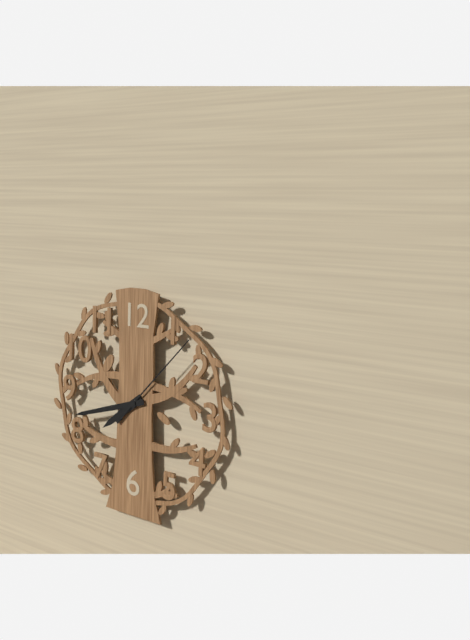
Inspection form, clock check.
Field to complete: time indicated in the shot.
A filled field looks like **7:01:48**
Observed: **7:42:07**
